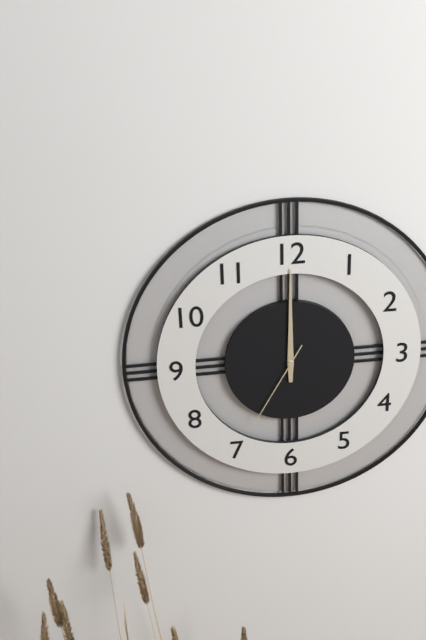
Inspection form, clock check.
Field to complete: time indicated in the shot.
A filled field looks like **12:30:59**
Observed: **12:00:35**
